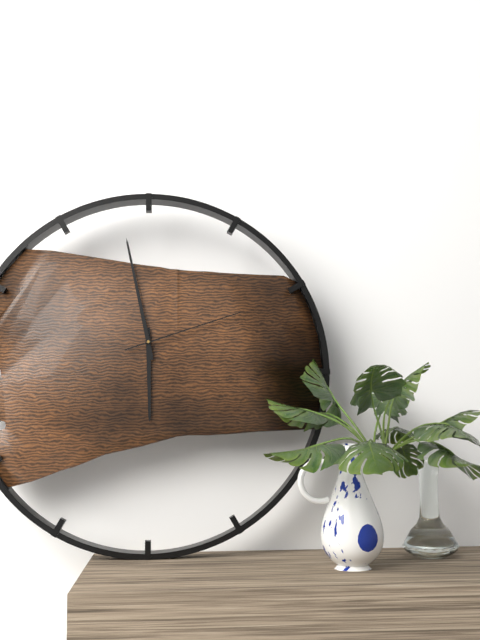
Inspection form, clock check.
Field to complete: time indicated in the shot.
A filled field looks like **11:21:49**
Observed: **5:58:12**
